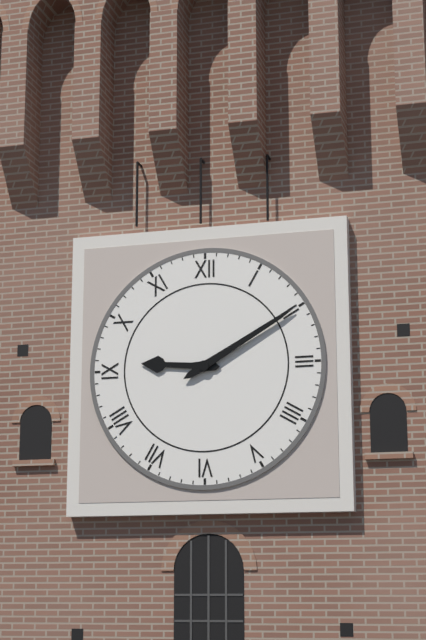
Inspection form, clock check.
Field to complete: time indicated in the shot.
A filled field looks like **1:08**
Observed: **9:10**
